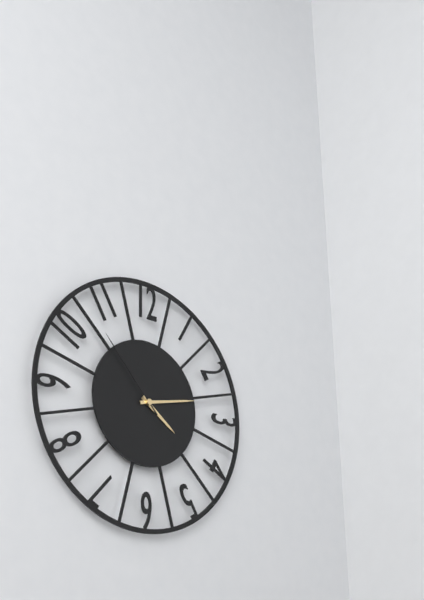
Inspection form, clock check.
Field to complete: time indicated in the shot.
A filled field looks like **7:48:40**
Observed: **4:13:53**
